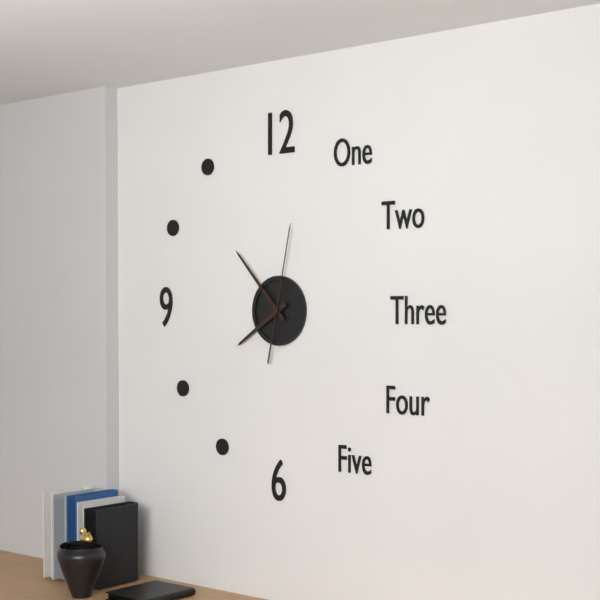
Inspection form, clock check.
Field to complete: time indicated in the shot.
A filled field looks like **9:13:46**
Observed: **7:53:02**
